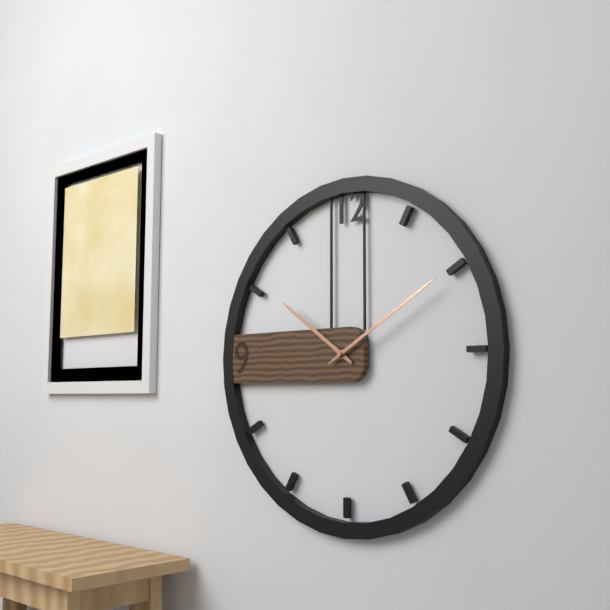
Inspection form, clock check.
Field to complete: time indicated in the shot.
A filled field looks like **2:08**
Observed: **10:10**
